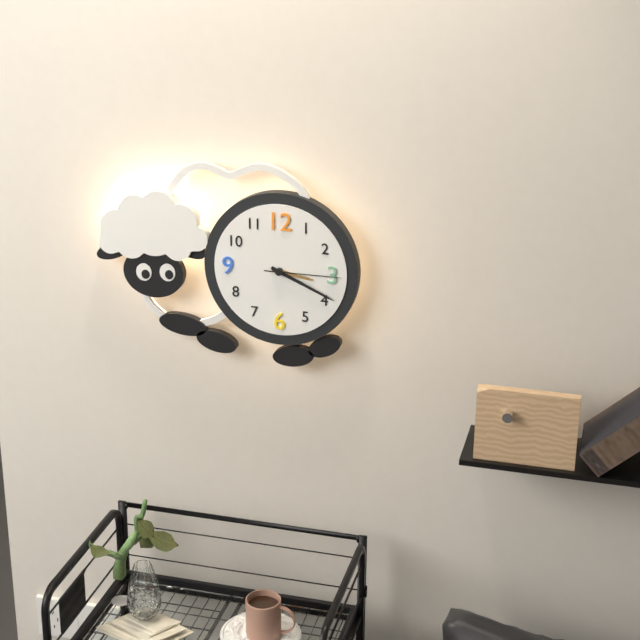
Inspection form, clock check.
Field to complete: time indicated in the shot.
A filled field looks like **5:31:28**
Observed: **3:19:15**
